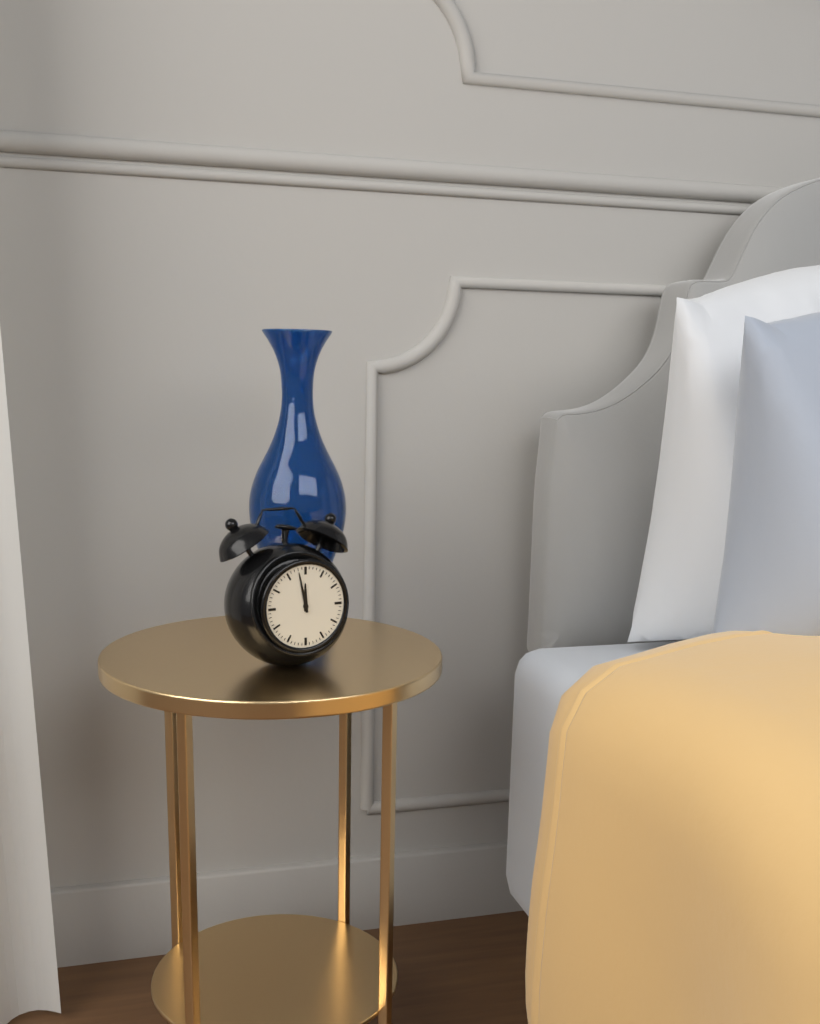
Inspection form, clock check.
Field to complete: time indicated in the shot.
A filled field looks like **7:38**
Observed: **11:58**
